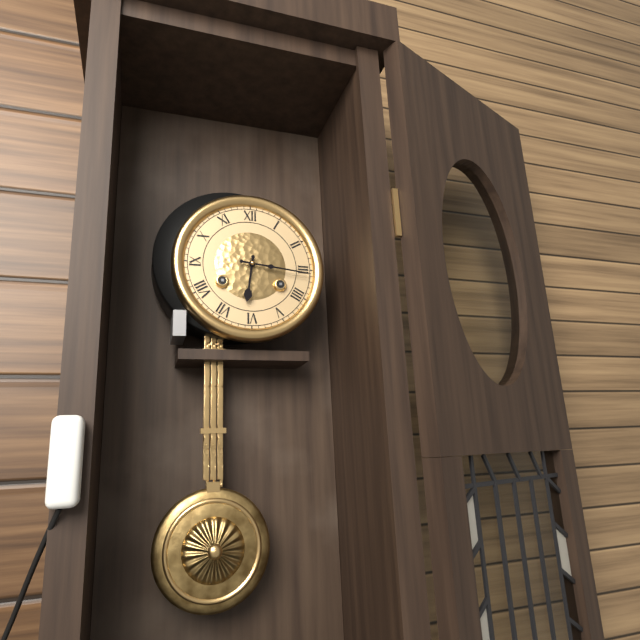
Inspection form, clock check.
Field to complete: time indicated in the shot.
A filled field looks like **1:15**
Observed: **6:16**
